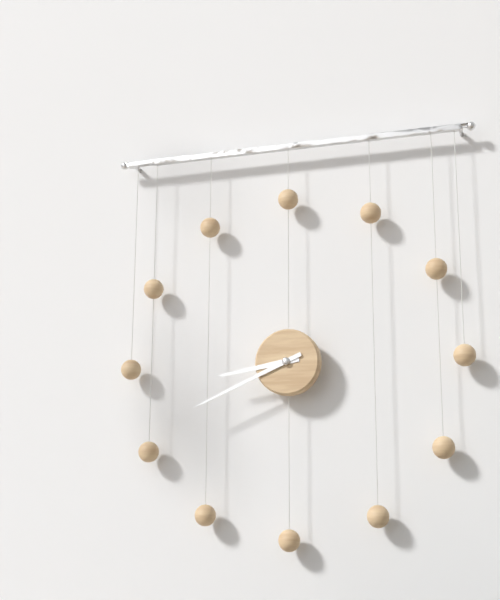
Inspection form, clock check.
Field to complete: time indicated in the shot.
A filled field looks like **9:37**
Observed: **8:41**
